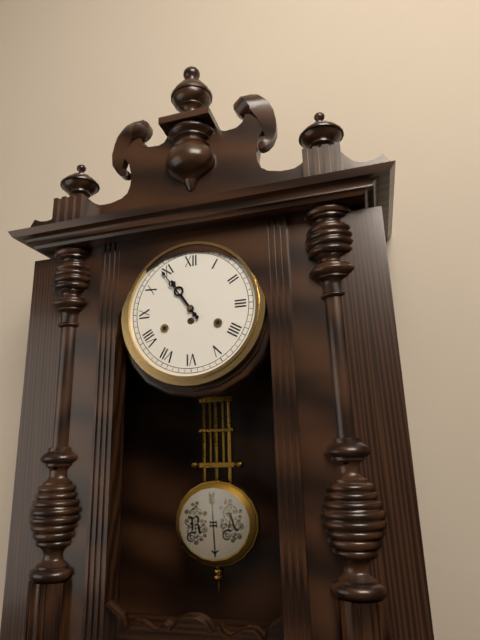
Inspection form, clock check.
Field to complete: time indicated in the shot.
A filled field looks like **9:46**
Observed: **10:54**
